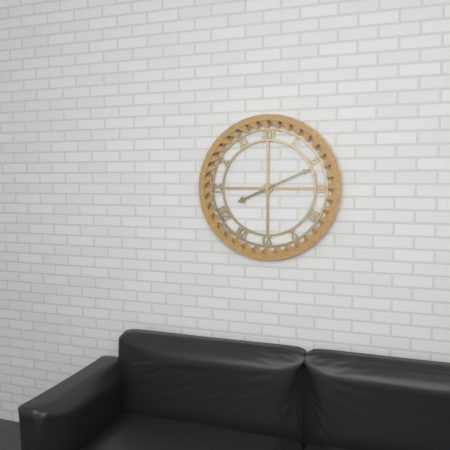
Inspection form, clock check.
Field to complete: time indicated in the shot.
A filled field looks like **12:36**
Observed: **8:11**
